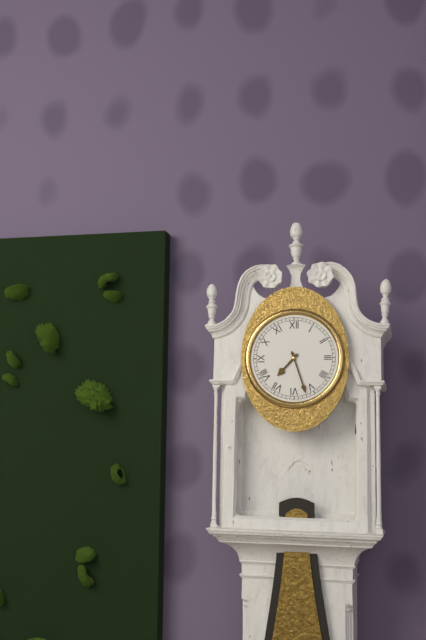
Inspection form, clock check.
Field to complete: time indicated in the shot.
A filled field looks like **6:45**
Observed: **7:27**
